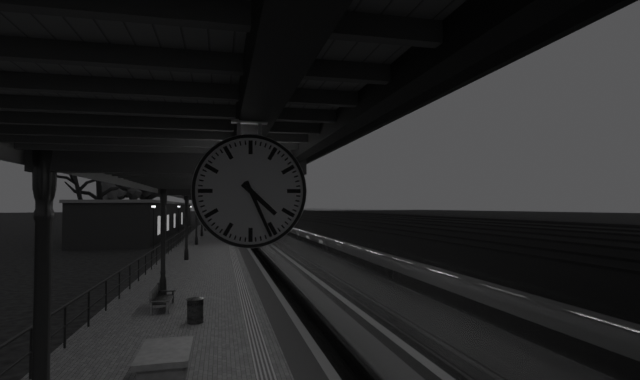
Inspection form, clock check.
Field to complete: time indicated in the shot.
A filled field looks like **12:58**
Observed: **4:26**
